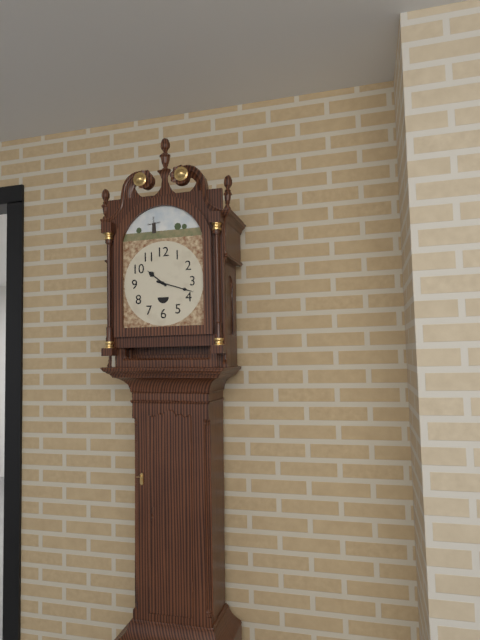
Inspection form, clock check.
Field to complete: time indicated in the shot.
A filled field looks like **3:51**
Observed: **10:18**
